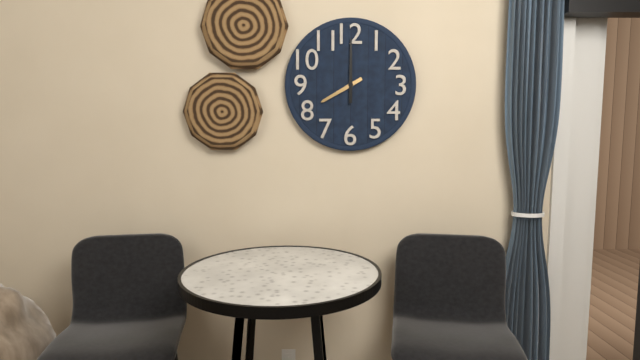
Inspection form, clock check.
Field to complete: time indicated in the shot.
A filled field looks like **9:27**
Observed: **8:00**
